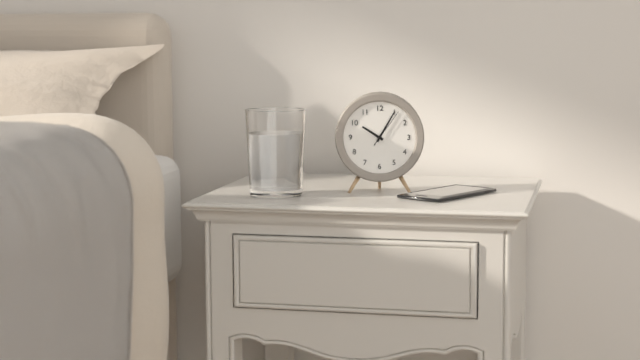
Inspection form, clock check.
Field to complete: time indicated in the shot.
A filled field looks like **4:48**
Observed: **10:05**
